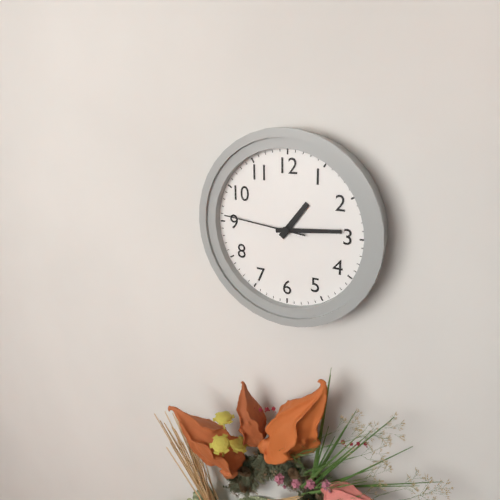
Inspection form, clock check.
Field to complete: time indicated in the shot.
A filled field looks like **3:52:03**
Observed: **1:14:46**
